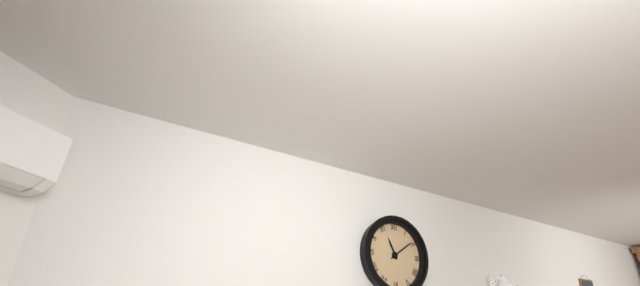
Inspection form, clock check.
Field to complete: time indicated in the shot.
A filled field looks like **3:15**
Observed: **11:09**
